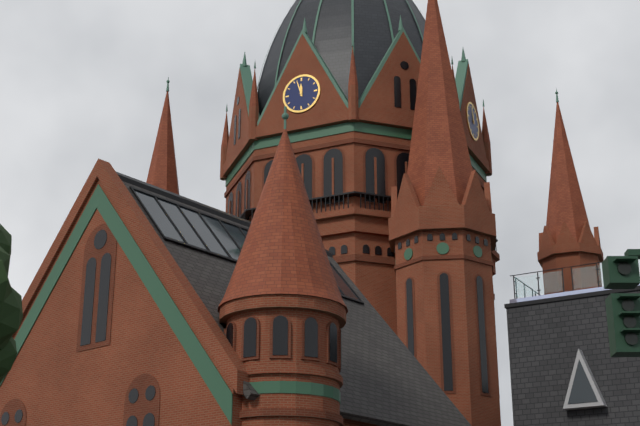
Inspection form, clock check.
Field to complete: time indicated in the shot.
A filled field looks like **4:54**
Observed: **11:57**
